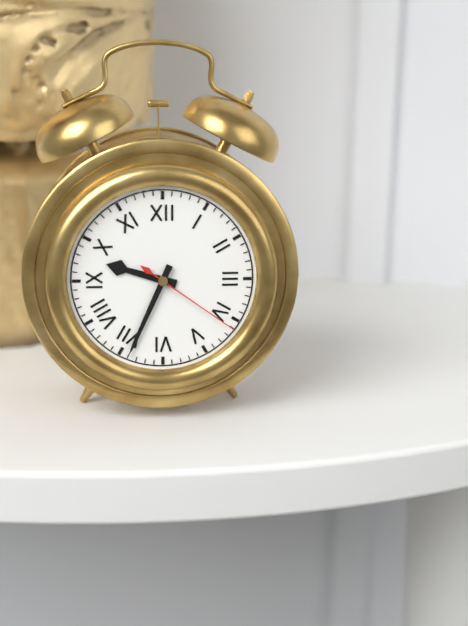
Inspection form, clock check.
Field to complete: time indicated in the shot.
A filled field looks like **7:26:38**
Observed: **9:34:21**
